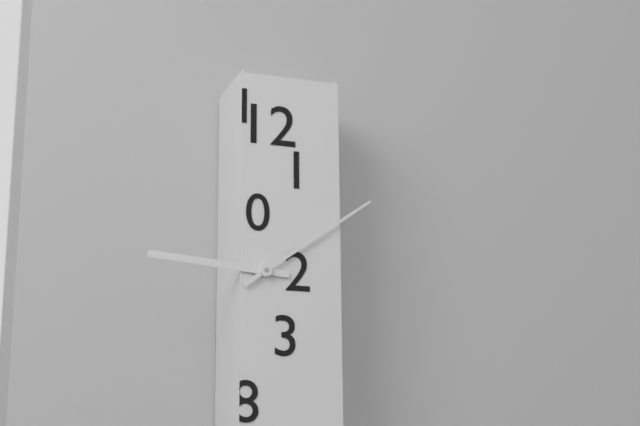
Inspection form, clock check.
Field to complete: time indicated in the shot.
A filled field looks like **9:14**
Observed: **9:09**
